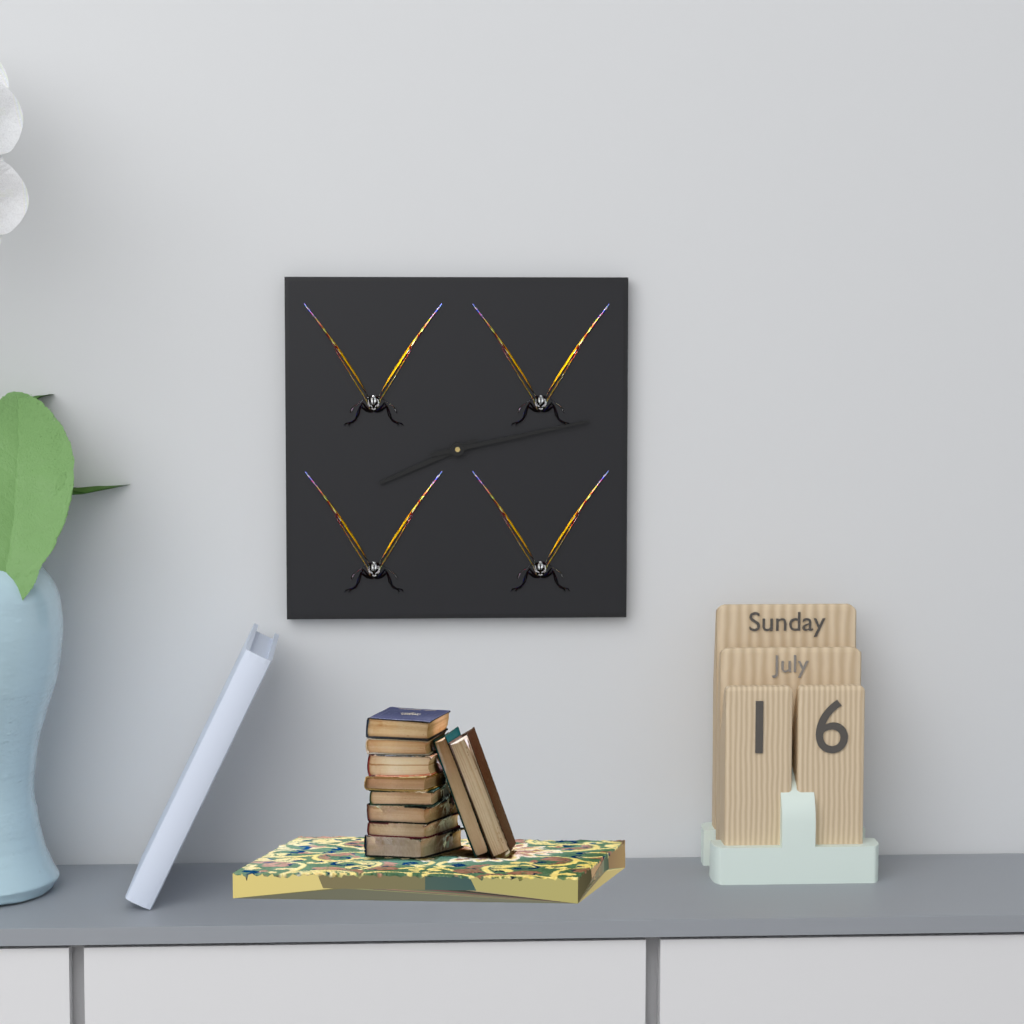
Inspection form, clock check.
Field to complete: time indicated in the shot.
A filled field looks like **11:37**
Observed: **8:13**
